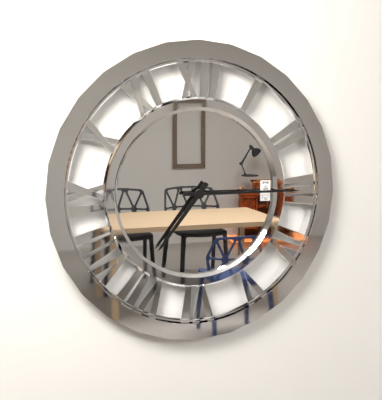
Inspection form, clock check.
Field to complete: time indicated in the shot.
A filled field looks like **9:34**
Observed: **7:15**
